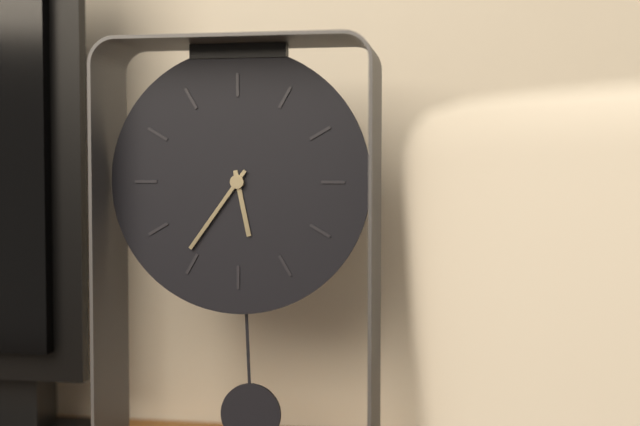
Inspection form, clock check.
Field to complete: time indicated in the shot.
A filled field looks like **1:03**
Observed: **5:36**
